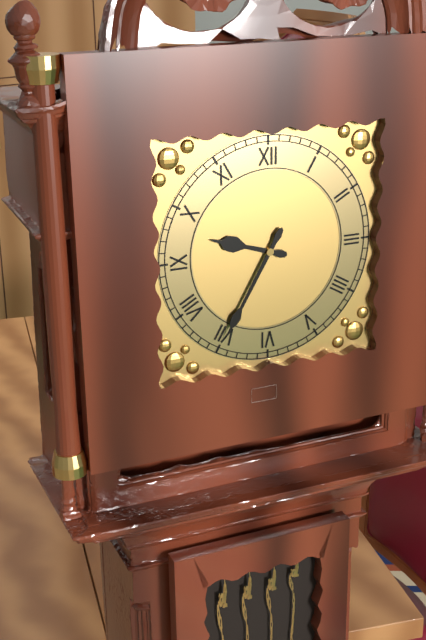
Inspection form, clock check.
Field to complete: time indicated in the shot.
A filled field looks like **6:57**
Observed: **9:35**
